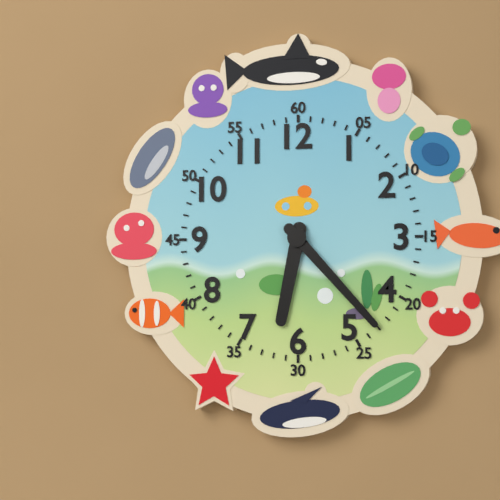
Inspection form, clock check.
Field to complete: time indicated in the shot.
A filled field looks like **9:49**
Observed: **6:23**
